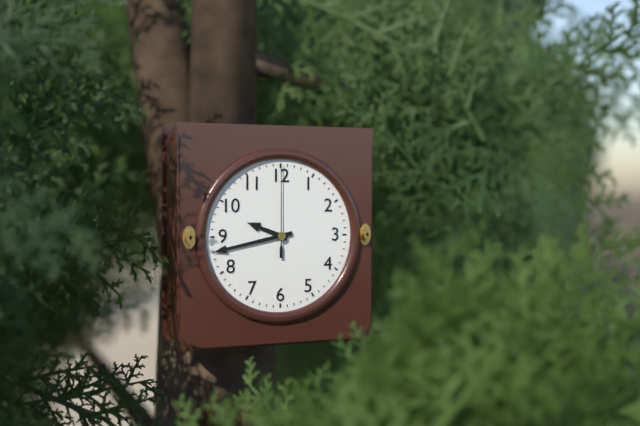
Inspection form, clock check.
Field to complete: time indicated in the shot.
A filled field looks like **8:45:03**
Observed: **9:43:00**
